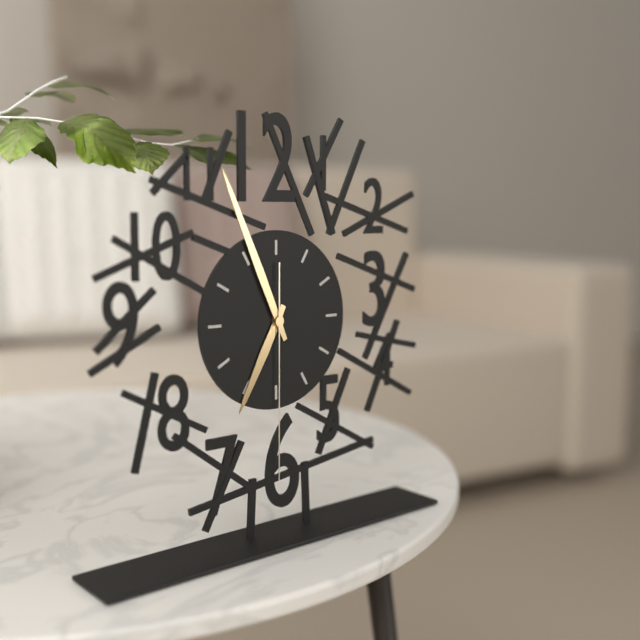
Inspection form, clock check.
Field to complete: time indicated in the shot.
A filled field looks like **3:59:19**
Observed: **6:56:30**
